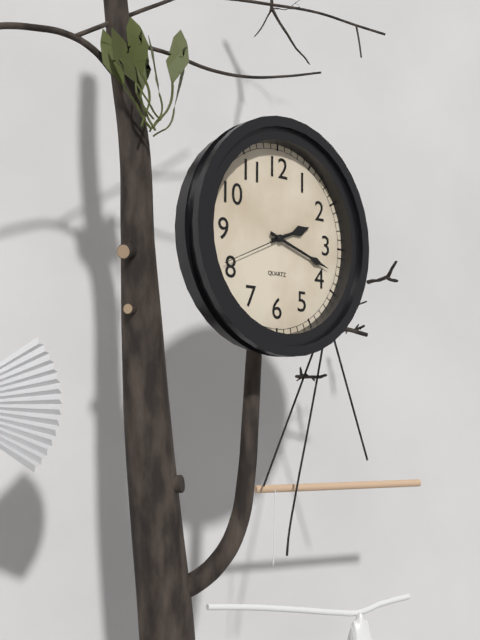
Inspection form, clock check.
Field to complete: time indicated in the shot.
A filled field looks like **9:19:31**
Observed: **2:18:41**
